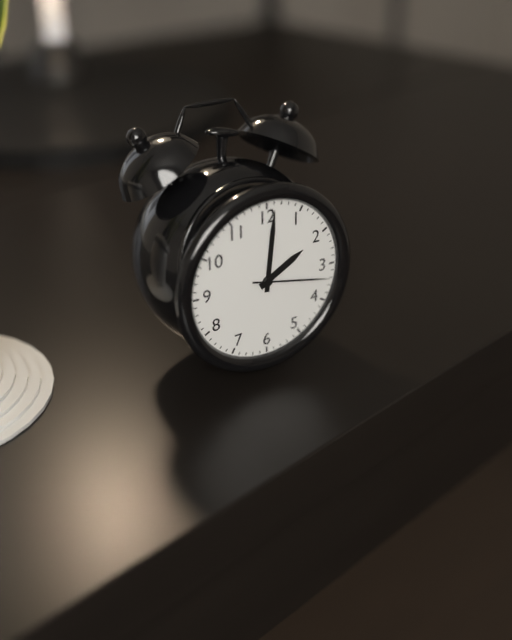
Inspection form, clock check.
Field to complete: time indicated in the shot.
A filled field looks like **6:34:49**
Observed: **2:01:17**
